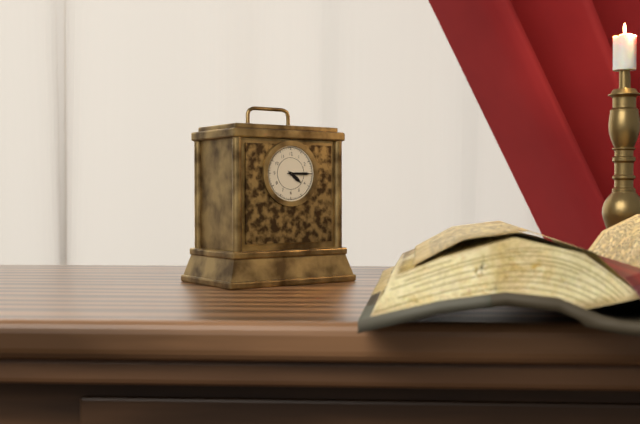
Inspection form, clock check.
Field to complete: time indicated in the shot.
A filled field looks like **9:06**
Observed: **4:15**
